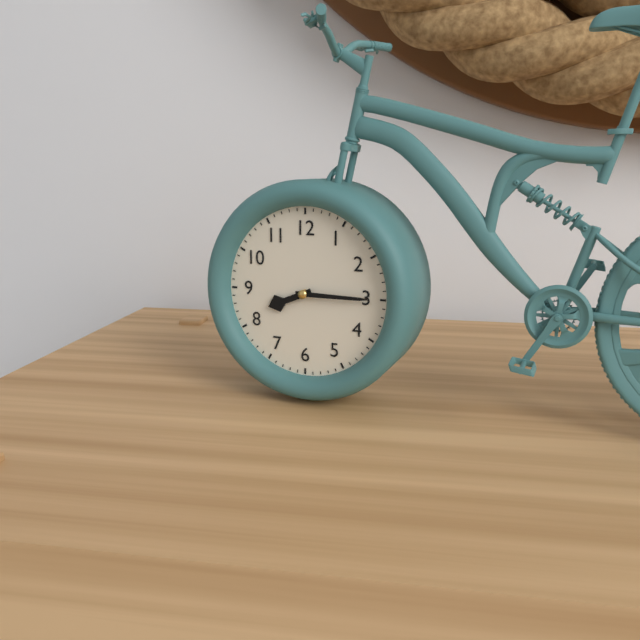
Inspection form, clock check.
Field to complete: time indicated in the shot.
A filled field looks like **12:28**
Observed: **8:15**
